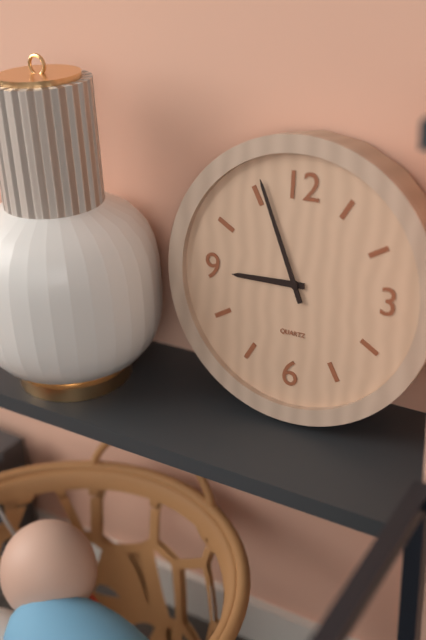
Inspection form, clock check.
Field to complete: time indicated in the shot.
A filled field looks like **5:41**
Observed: **8:56**
